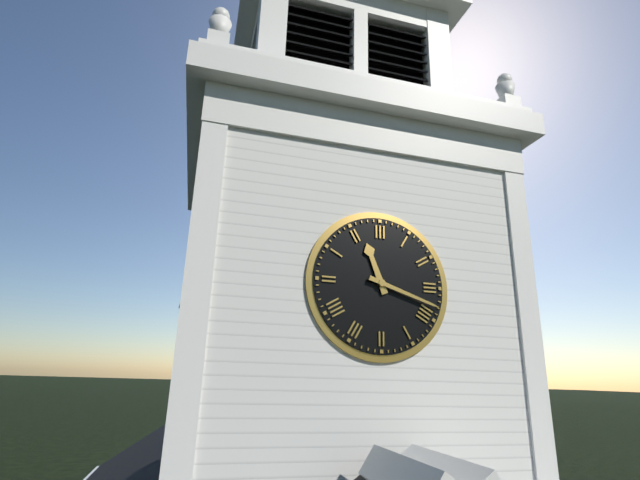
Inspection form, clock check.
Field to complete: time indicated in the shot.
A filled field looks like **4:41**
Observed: **11:18**
